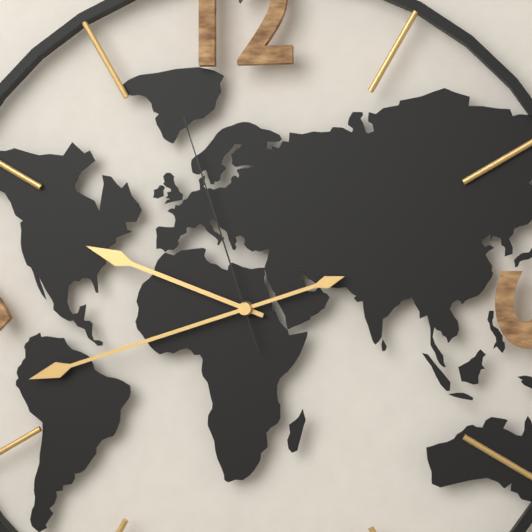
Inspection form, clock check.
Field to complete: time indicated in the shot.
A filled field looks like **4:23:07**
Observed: **9:42:57**
